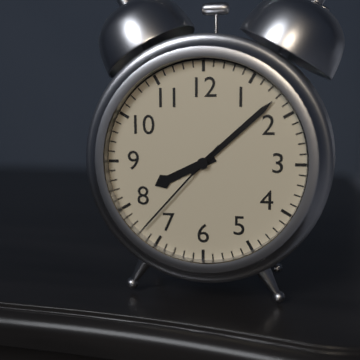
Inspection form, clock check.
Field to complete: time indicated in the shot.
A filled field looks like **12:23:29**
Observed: **8:08:37**
